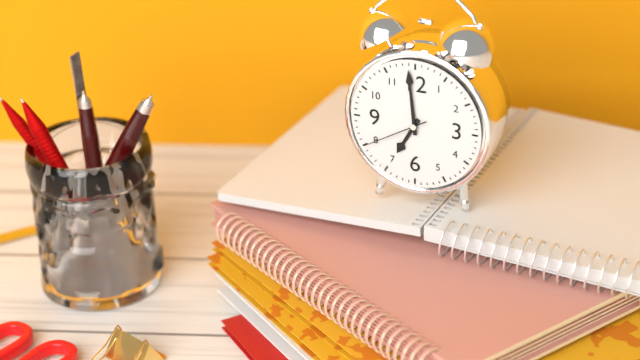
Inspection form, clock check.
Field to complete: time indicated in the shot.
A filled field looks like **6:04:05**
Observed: **6:59:40**
